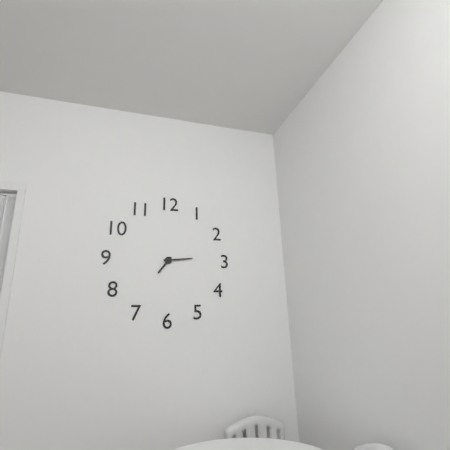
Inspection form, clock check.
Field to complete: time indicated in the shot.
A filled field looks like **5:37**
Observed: **7:14**
